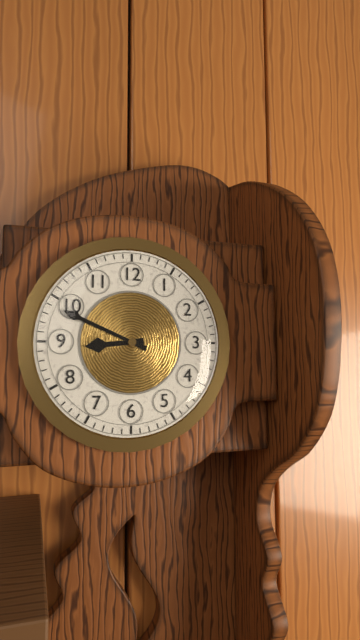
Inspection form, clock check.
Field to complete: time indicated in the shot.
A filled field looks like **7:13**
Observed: **8:49**
